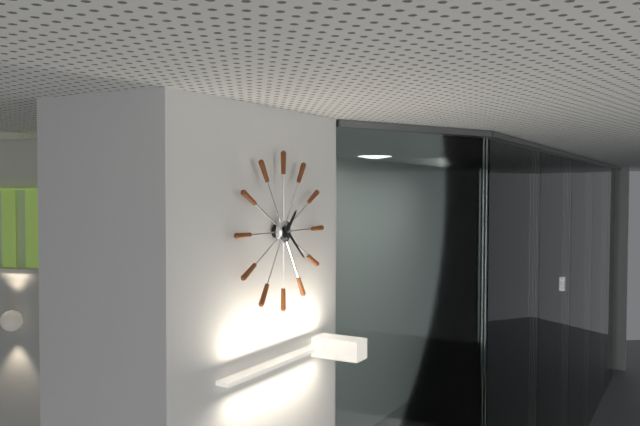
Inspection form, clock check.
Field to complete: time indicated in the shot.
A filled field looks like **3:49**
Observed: **1:22**
